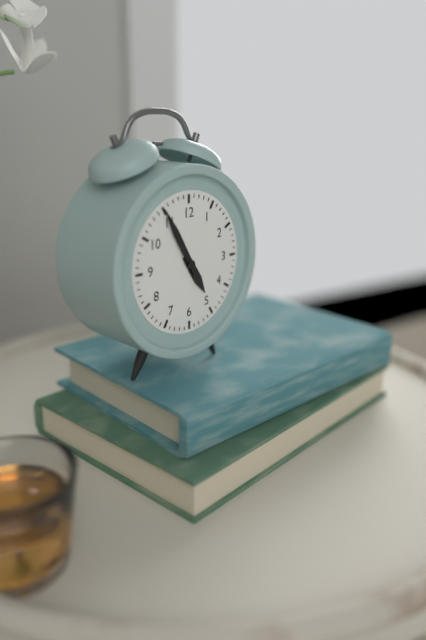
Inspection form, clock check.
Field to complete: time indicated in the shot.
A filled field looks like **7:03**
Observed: **4:55**
